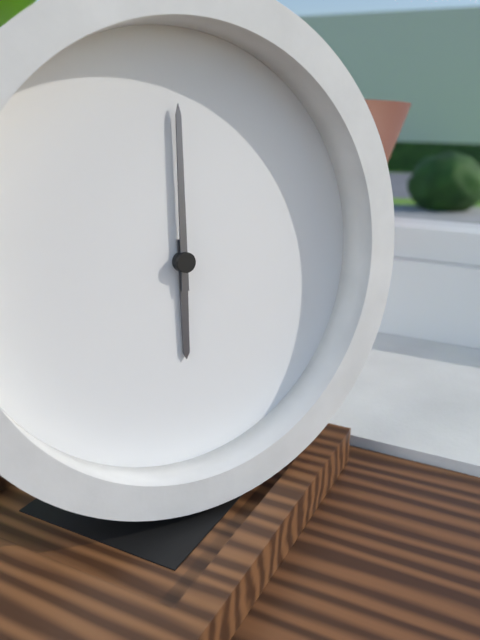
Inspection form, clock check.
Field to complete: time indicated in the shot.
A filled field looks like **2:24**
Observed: **6:00**
